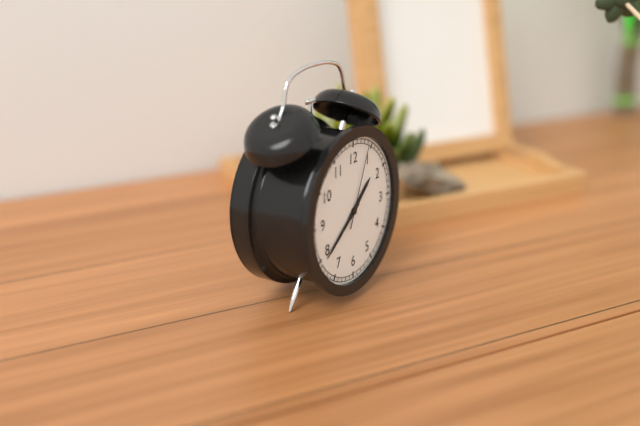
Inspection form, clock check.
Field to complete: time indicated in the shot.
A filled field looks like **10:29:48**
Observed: **1:39:04**
